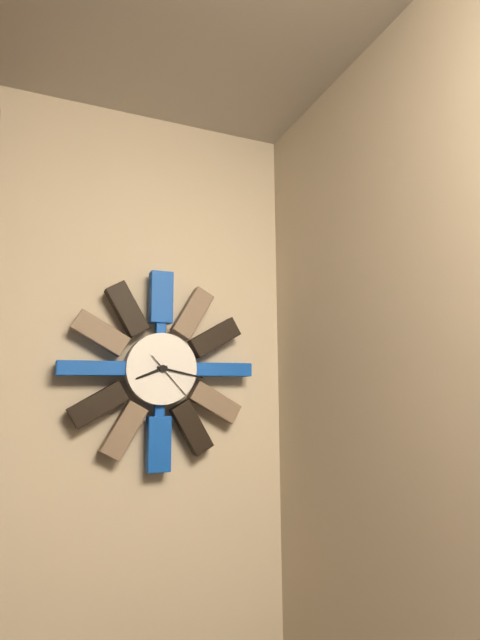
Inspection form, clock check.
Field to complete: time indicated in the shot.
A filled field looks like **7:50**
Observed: **8:17**
